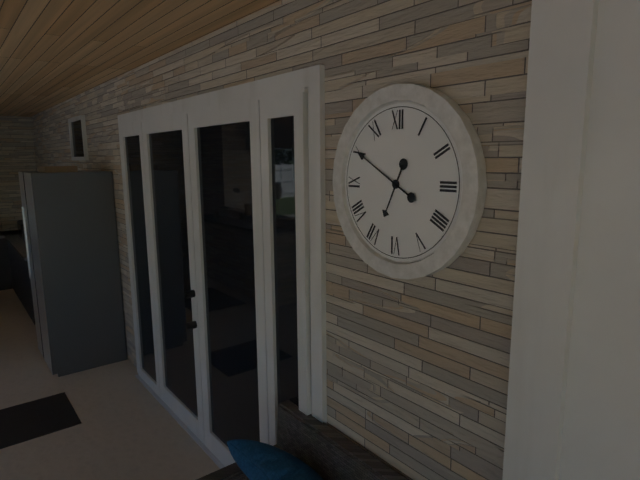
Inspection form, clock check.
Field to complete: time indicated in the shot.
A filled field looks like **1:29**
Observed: **6:50**
